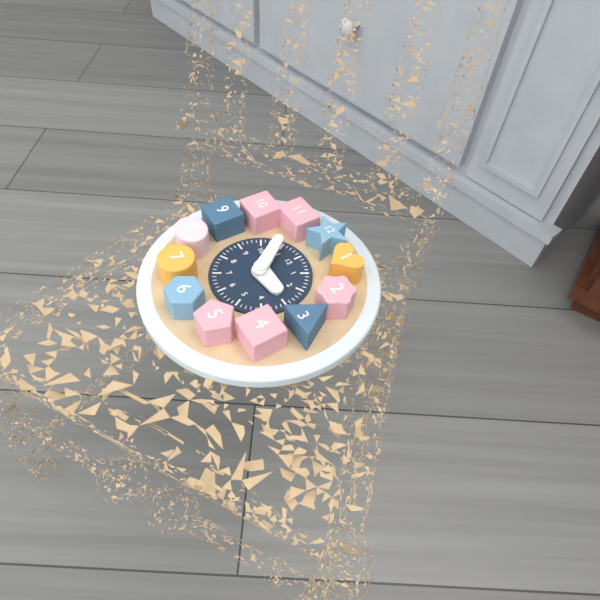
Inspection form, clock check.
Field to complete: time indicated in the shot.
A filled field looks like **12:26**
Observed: **2:54**
